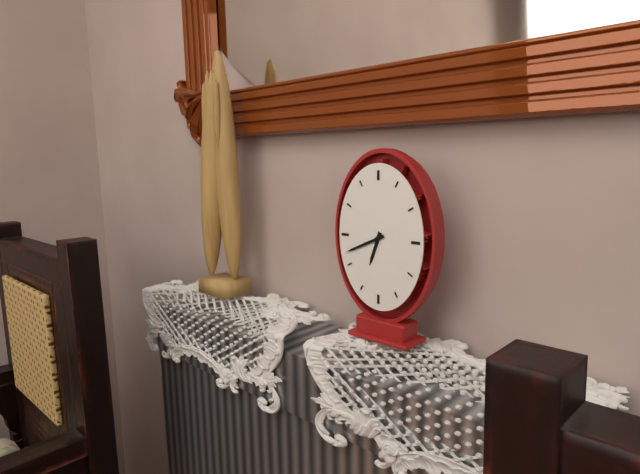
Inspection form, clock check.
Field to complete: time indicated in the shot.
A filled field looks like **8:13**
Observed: **6:41**
